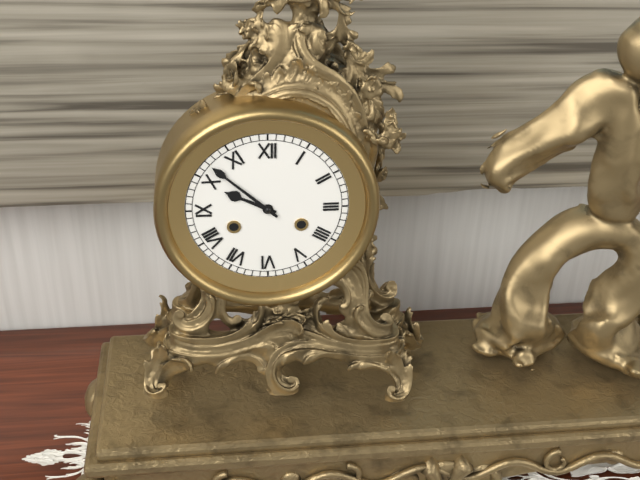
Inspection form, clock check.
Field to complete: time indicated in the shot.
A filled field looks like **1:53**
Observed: **9:52**
